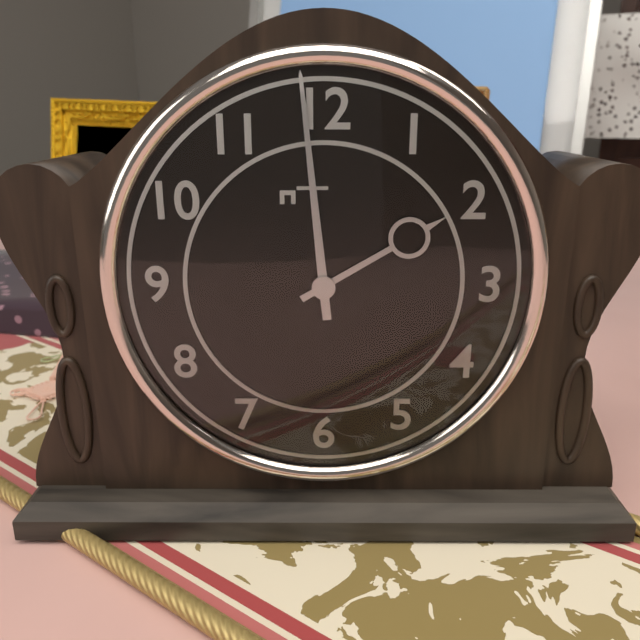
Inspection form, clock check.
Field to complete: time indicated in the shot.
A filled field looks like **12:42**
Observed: **1:59**
